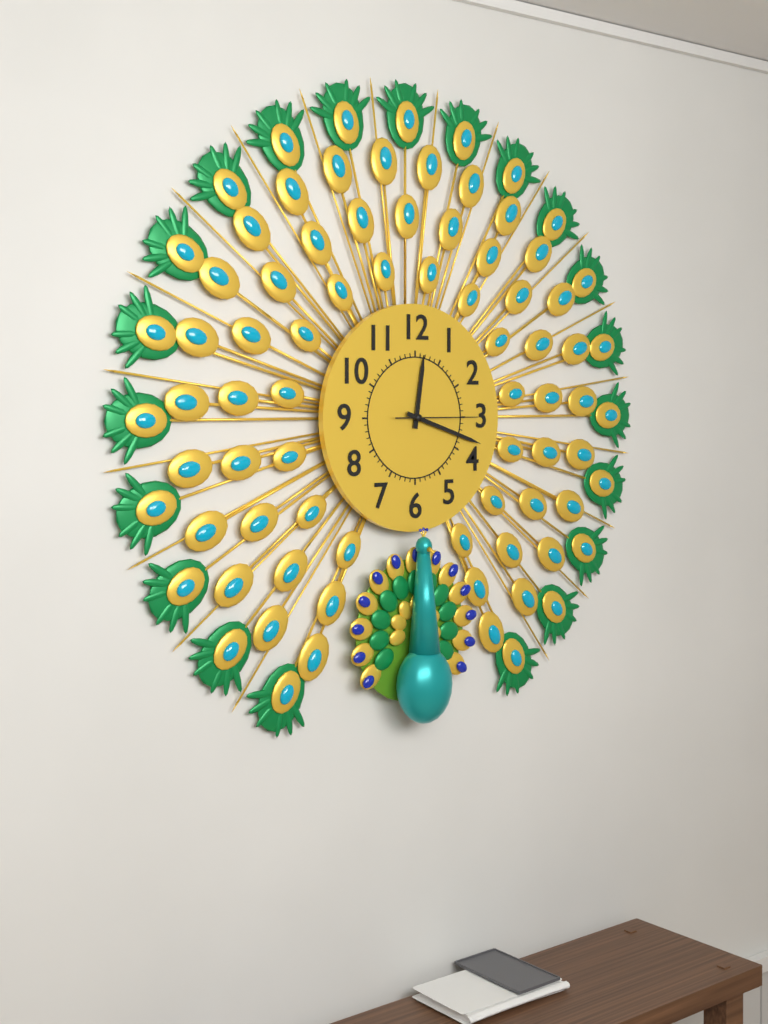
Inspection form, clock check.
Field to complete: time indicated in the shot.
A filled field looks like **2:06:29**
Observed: **12:18:15**
